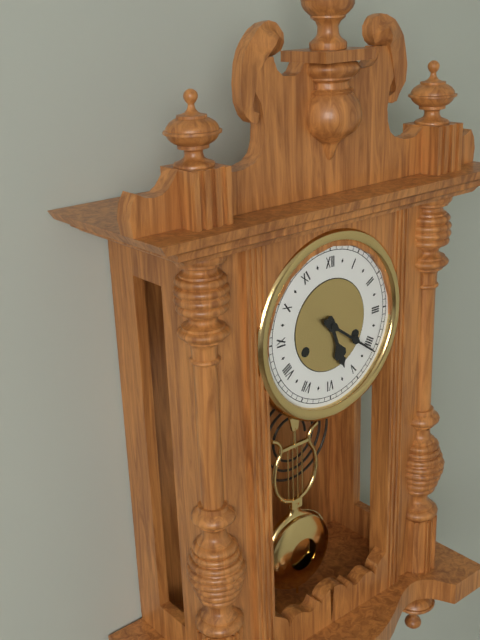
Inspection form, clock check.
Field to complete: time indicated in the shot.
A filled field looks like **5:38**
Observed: **5:21**
